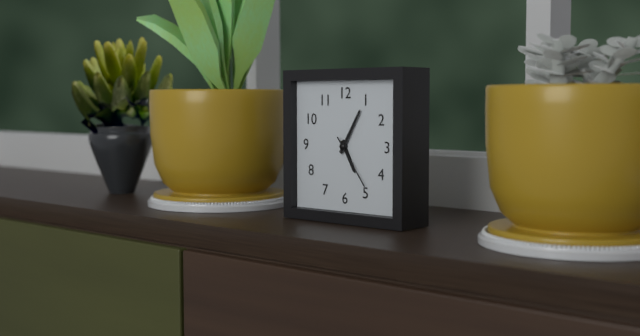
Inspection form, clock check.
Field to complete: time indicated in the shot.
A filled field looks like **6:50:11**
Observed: **5:05:24**
